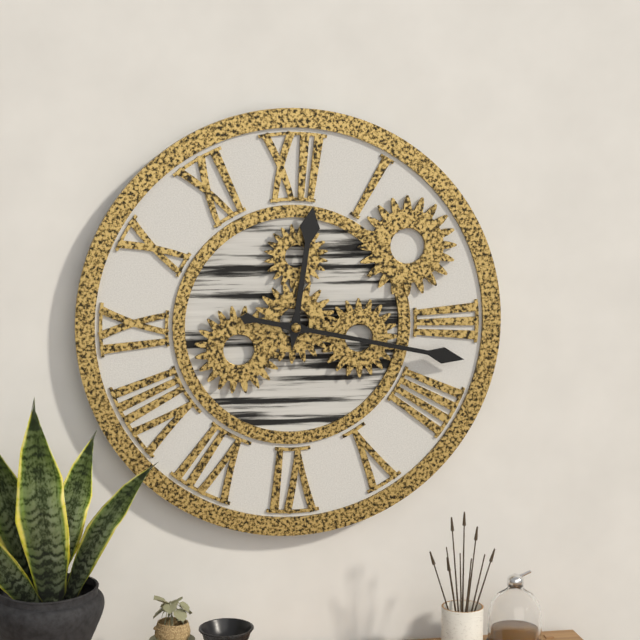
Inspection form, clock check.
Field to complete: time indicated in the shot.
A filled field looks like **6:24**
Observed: **12:17**
